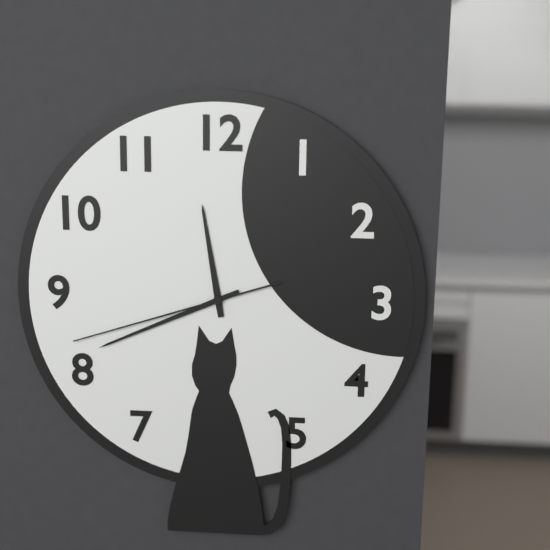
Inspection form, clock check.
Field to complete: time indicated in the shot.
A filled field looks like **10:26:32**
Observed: **11:41:42**
